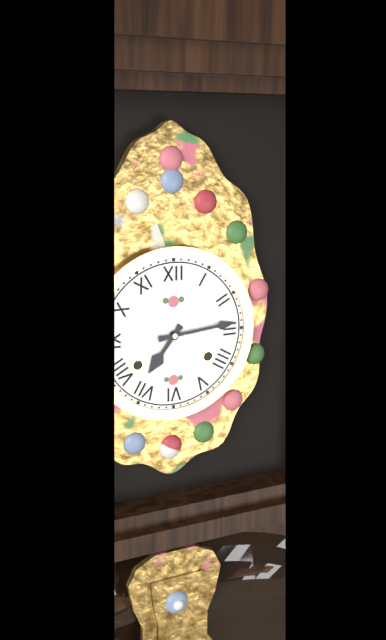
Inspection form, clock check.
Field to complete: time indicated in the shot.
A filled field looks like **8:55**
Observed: **7:14**
